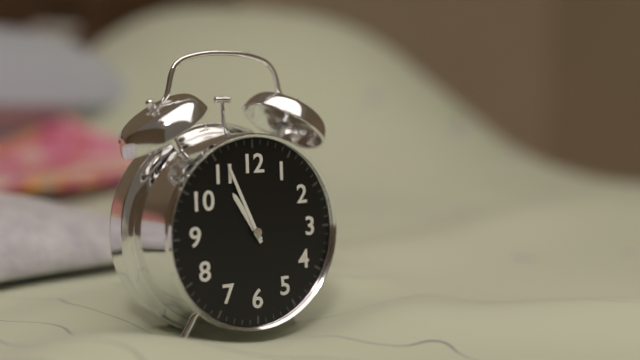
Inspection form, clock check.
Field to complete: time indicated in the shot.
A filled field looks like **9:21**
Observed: **10:56**
